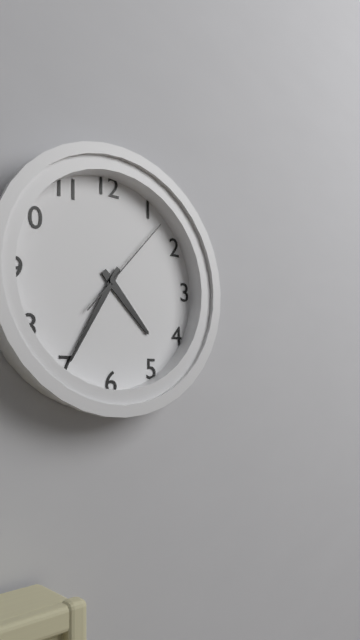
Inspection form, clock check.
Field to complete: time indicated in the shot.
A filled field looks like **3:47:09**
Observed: **4:35:07**
